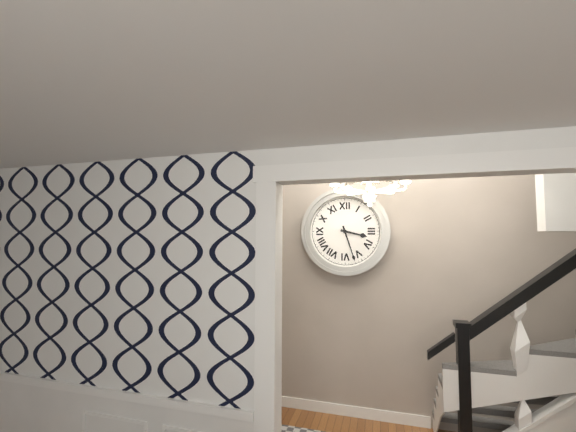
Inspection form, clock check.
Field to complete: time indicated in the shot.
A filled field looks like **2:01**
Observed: **3:27**
